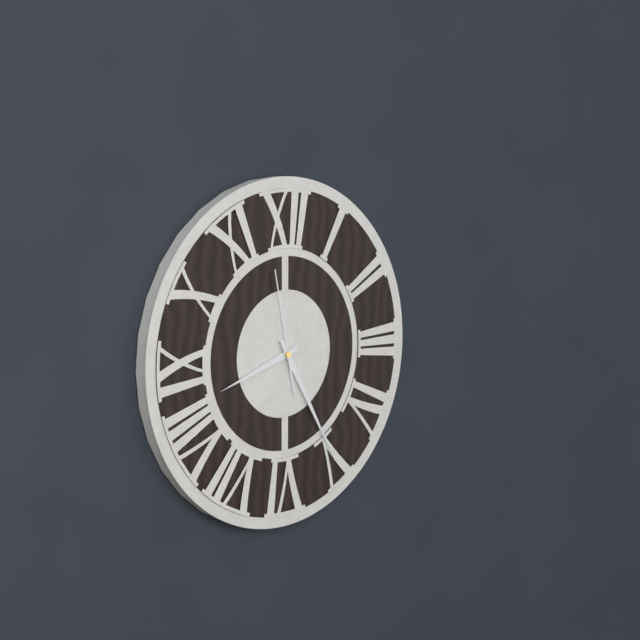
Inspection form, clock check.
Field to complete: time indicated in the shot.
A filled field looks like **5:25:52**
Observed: **8:25:58**
